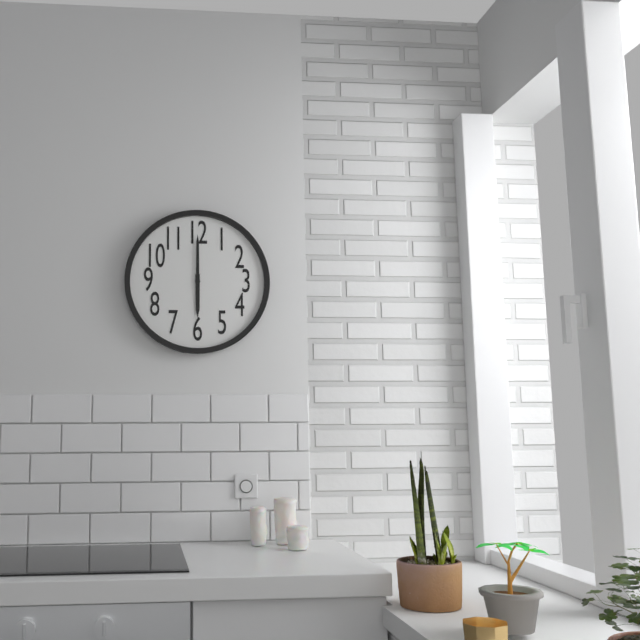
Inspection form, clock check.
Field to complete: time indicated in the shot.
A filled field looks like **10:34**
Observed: **6:00**
